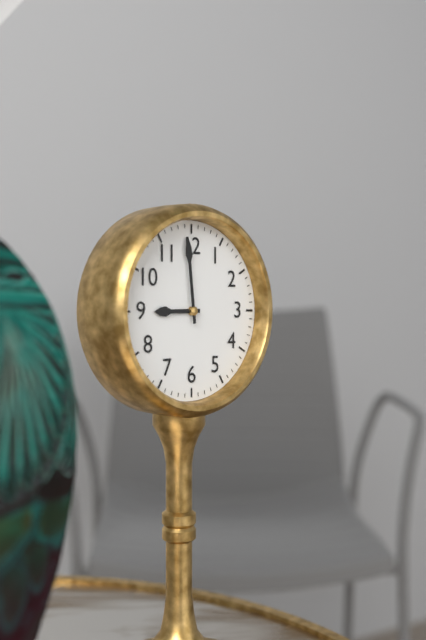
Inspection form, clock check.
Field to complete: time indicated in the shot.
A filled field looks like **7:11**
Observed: **8:59**
